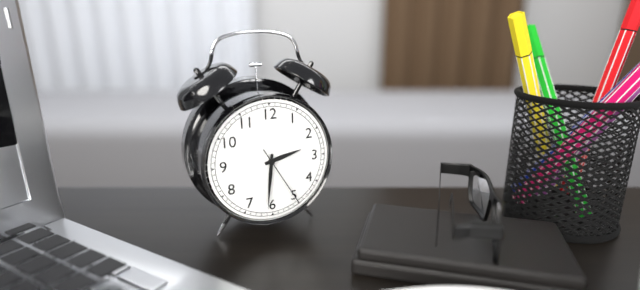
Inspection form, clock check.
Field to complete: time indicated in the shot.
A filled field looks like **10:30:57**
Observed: **2:31:25**
